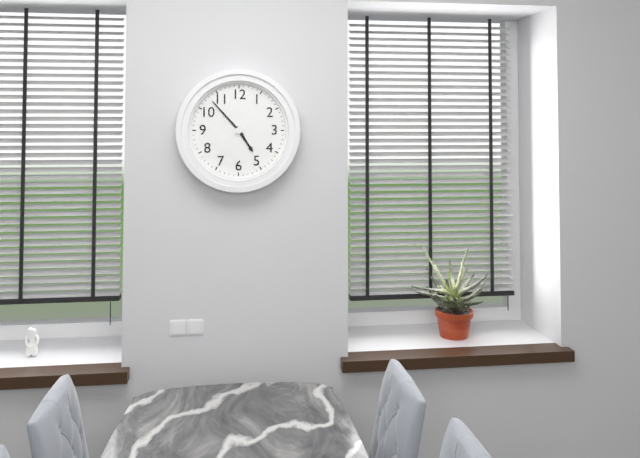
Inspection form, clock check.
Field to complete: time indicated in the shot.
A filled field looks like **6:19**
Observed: **4:53**
